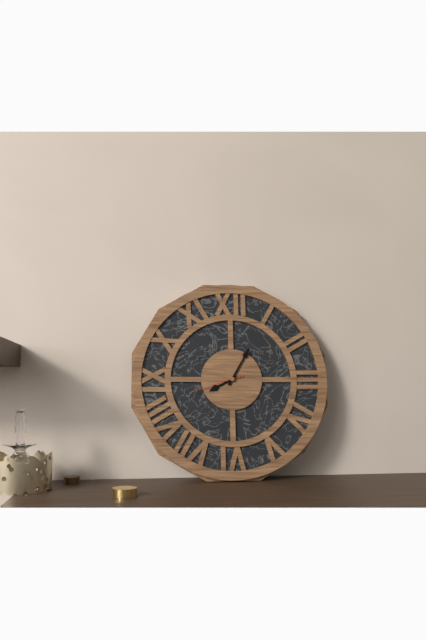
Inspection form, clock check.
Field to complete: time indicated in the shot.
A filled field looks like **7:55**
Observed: **8:05**
